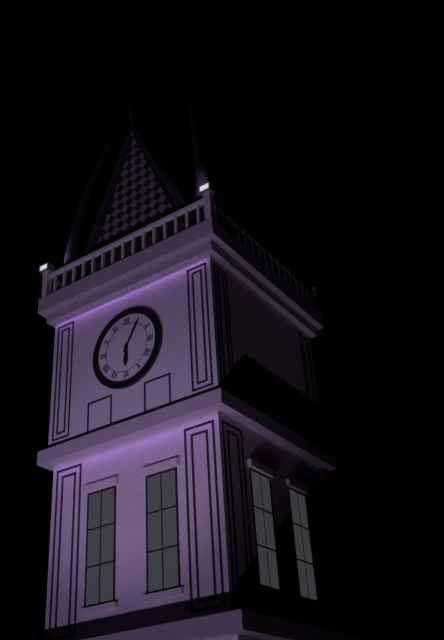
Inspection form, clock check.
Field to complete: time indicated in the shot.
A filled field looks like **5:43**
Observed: **6:05**
